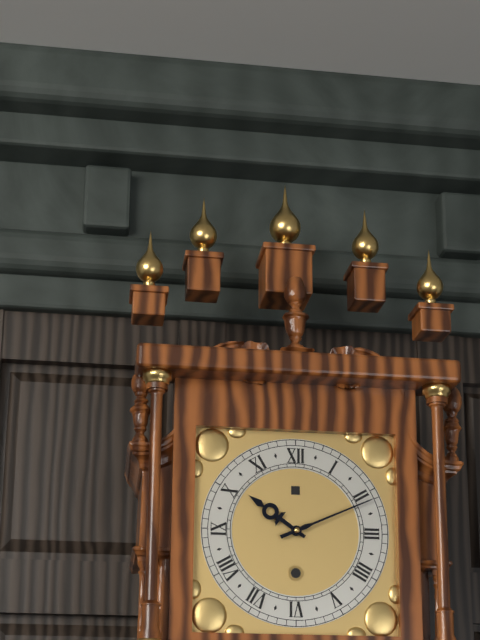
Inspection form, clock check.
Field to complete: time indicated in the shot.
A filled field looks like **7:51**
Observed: **10:11**
